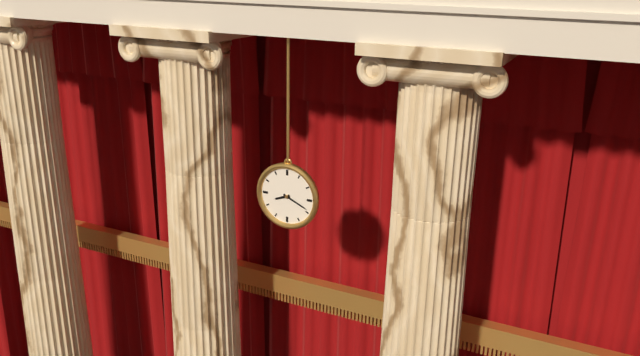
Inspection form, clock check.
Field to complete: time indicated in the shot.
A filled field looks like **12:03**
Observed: **8:19**
